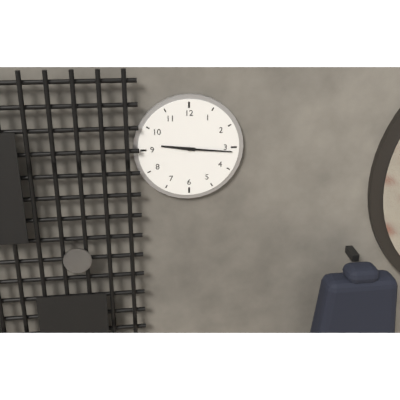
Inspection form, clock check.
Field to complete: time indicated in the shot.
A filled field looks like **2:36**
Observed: **9:16**
